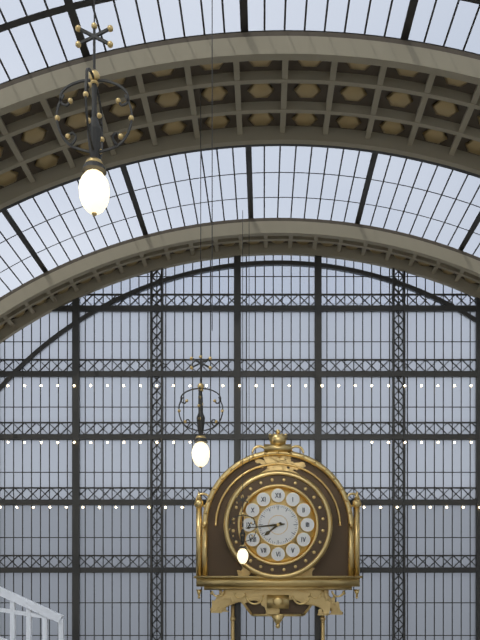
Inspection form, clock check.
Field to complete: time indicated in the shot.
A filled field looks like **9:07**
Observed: **7:44**
